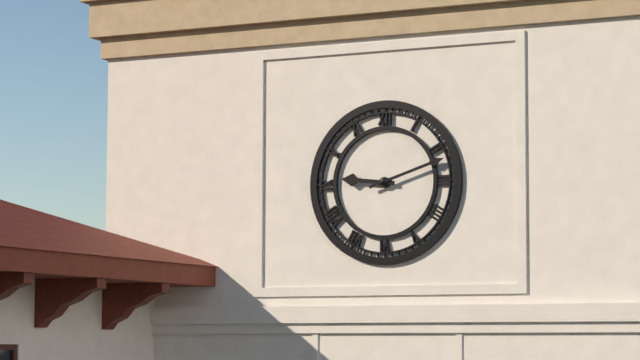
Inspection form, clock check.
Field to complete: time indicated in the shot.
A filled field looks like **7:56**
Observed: **9:12**
